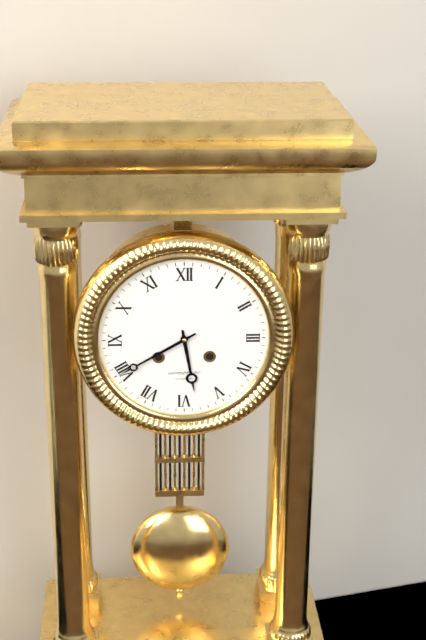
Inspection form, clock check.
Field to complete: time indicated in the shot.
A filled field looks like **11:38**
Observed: **5:40**
